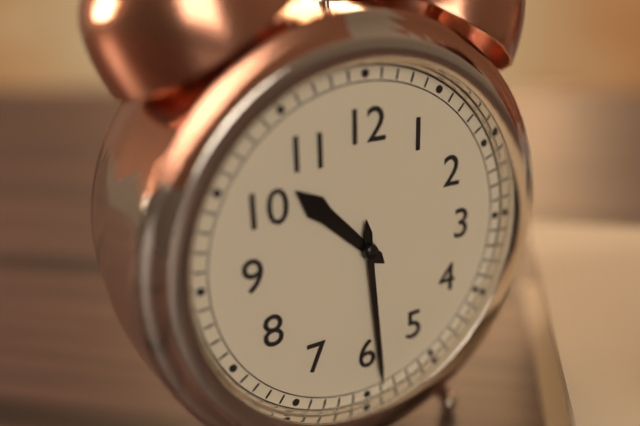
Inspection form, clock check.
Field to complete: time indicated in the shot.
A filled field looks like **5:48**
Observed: **10:29**
